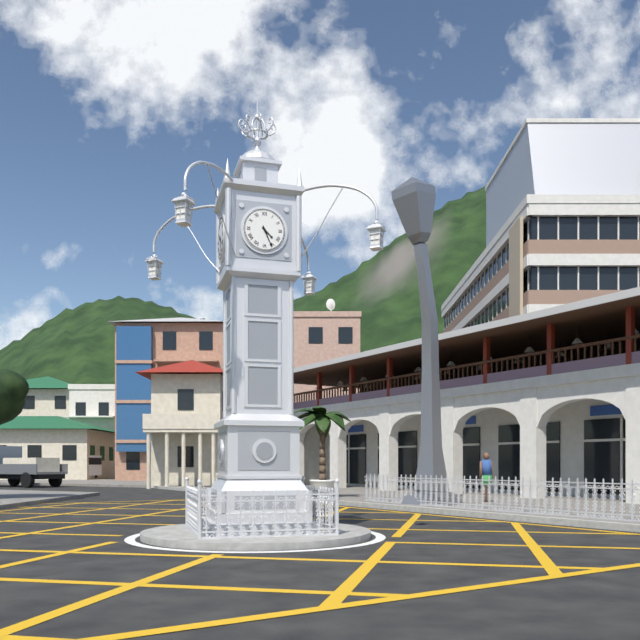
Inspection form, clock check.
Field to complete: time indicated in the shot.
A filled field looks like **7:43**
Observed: **4:26**
